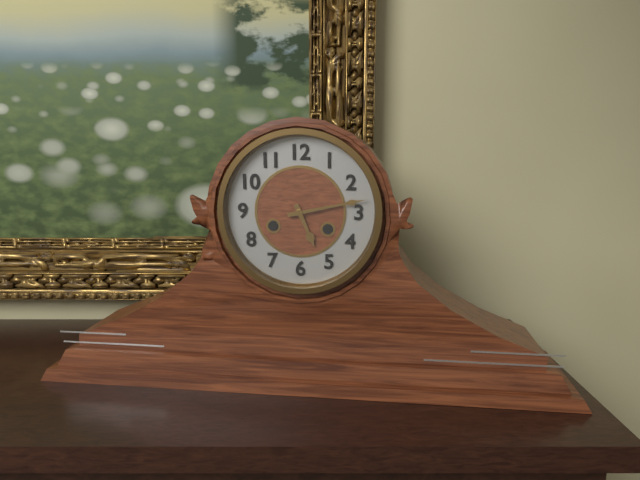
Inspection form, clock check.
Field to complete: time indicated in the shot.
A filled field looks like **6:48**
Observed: **5:13**
